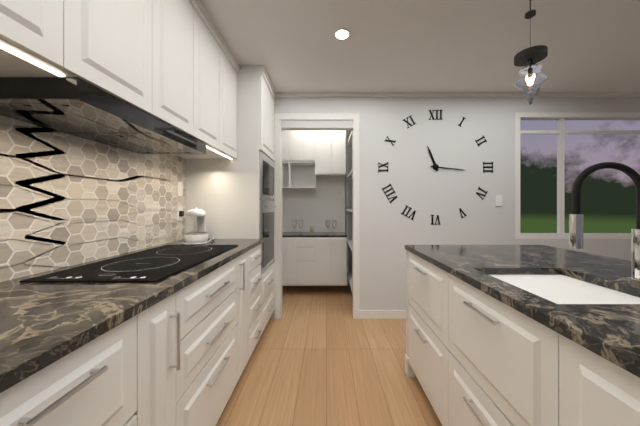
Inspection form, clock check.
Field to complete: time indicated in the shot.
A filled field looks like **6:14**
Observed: **11:16**
